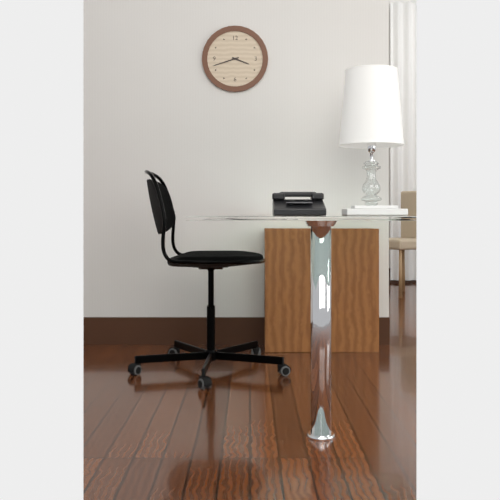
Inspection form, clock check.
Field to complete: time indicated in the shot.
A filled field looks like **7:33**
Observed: **3:42**
